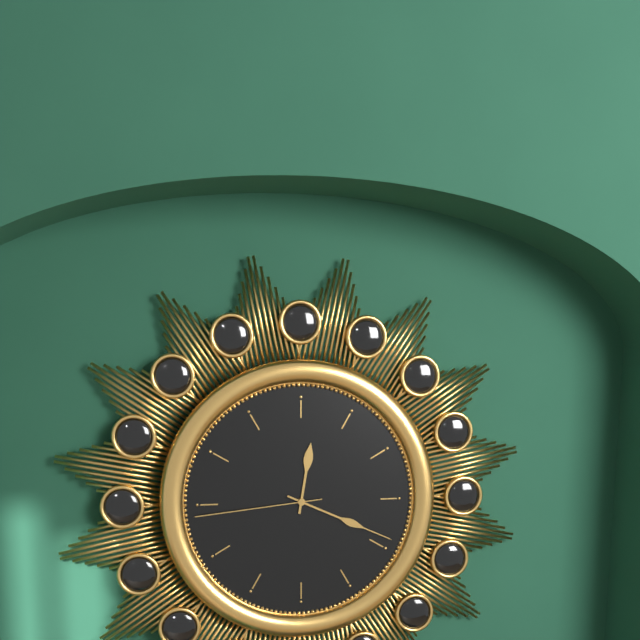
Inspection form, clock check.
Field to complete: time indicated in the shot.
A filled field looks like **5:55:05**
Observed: **12:19:44**
